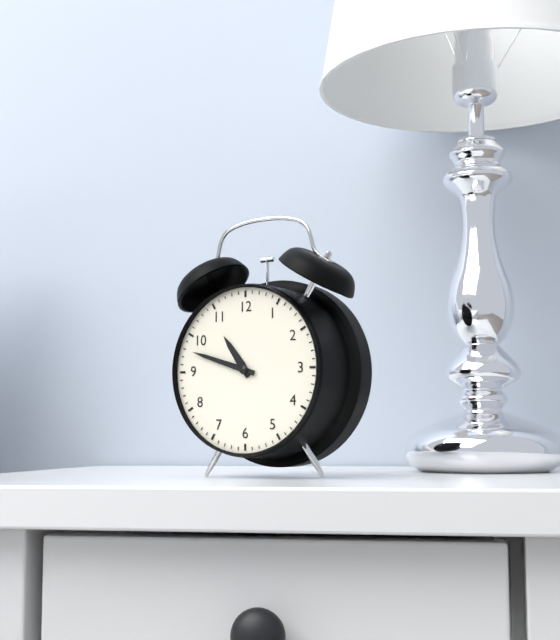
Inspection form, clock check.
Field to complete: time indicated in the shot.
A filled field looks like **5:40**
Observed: **10:48**
